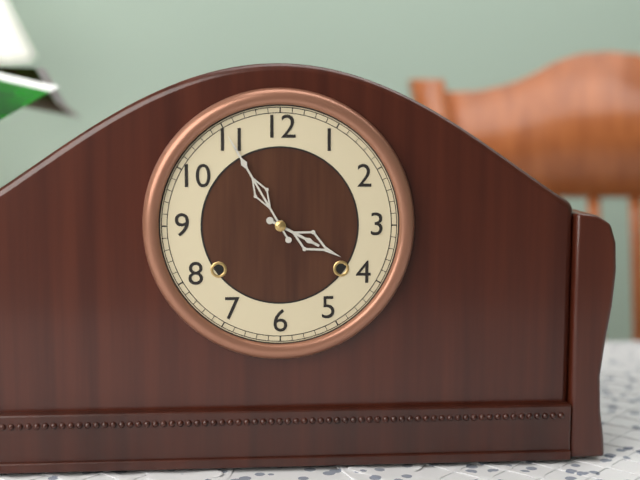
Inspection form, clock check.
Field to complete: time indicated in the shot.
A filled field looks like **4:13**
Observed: **3:55**
